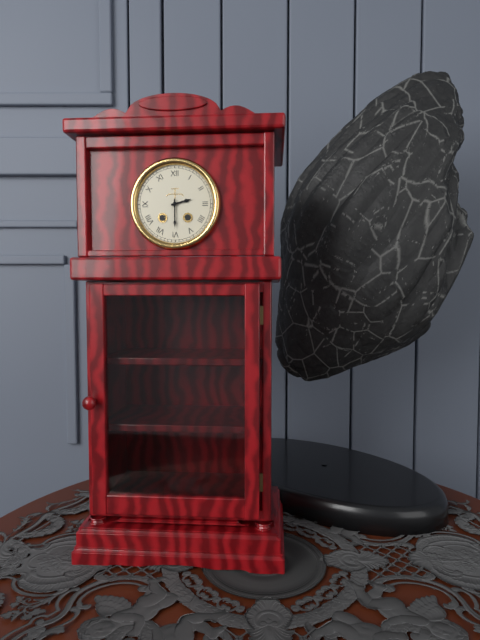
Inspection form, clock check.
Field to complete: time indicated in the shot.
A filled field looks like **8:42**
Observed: **2:30**
